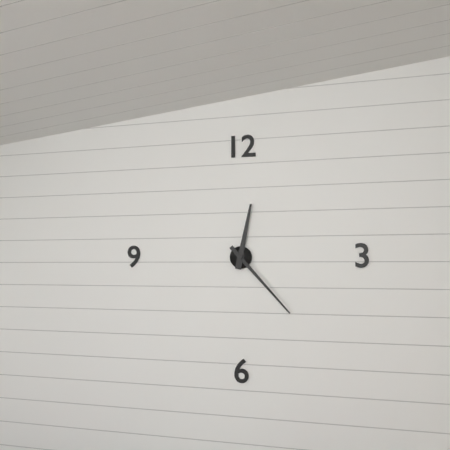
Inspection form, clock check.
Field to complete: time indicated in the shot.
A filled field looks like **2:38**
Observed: **12:23**
